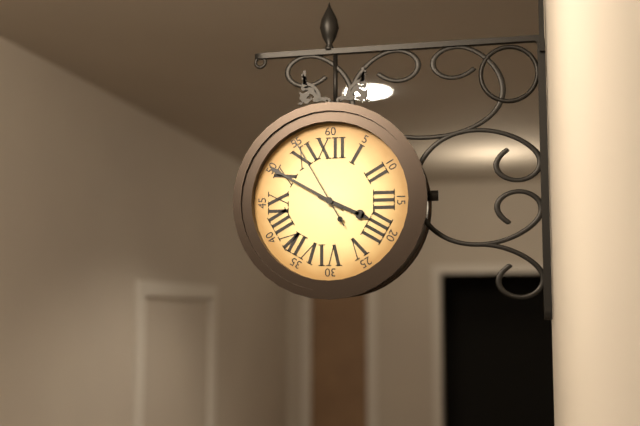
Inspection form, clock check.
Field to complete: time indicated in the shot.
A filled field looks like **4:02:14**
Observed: **3:50:55**
